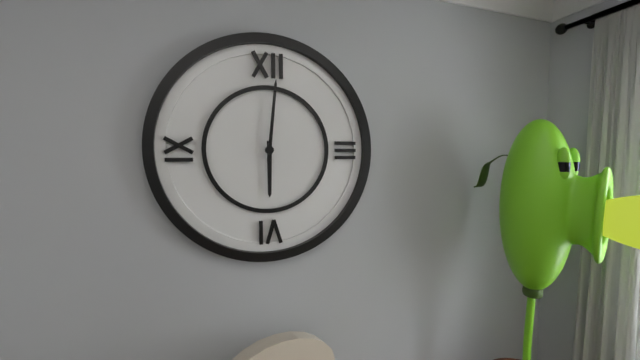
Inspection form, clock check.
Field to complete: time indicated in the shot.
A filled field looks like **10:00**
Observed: **6:01**
